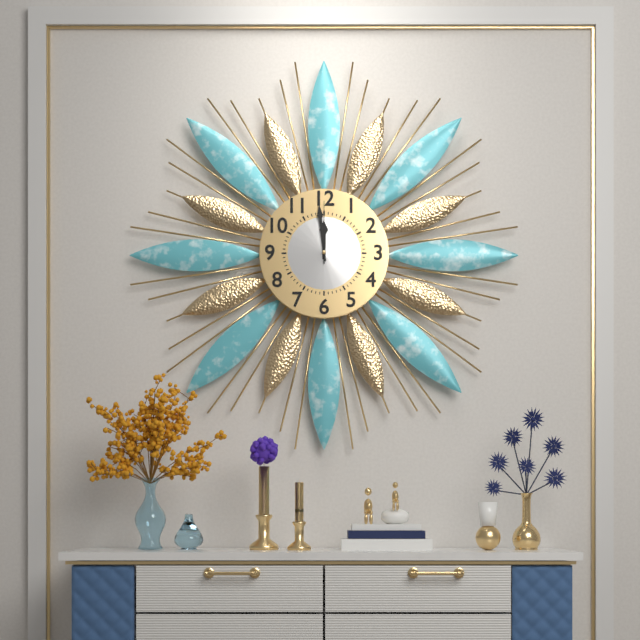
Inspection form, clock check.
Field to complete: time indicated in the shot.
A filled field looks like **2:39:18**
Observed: **11:59:00**
